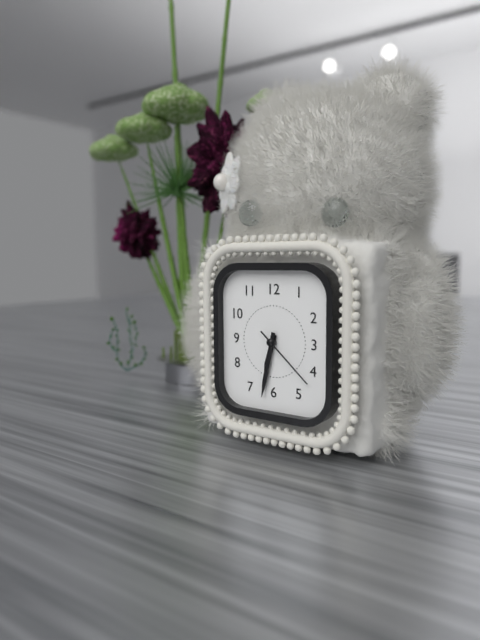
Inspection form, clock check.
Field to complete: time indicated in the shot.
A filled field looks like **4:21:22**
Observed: **6:32:22**
